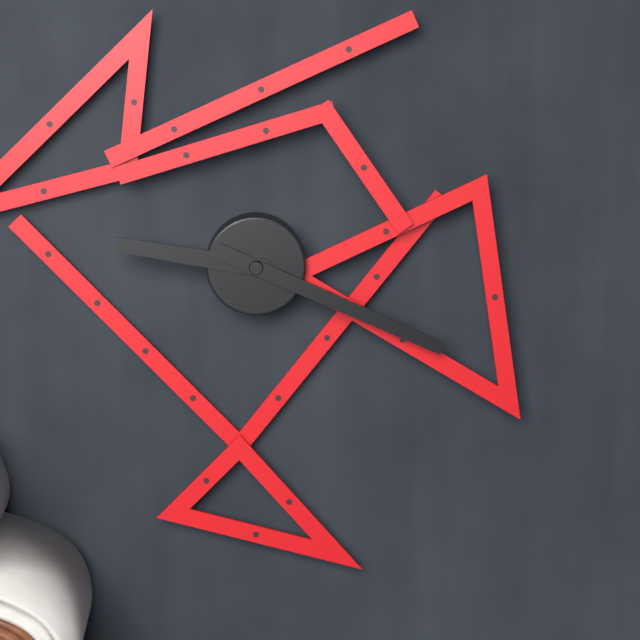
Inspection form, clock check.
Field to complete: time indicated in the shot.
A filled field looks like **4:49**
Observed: **9:19**
